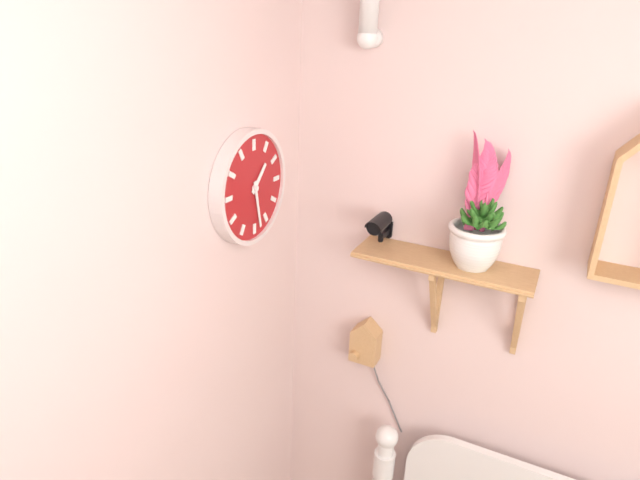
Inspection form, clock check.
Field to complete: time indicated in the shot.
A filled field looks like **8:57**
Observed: **1:28**
